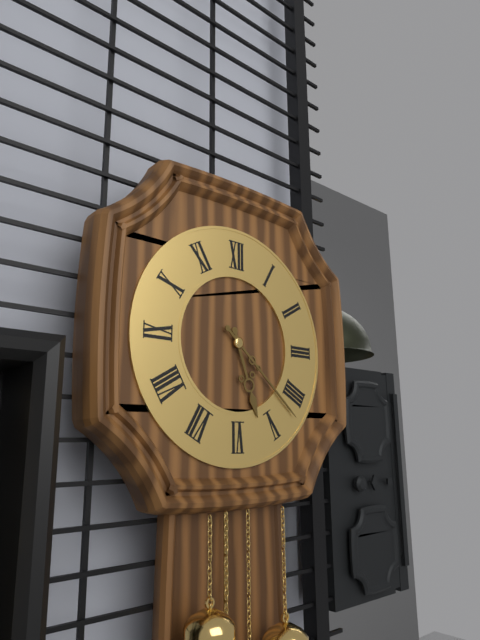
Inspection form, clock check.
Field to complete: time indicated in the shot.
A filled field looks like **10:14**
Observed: **5:22**
